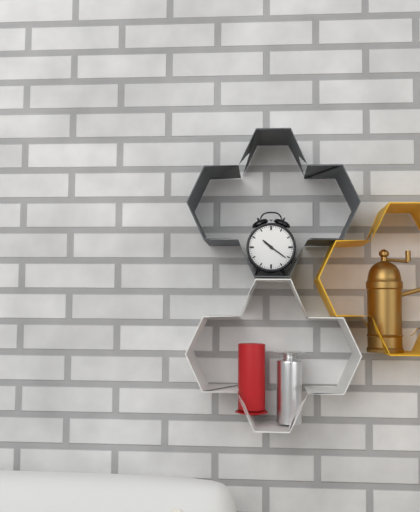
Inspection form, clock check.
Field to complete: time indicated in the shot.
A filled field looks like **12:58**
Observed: **10:21**
